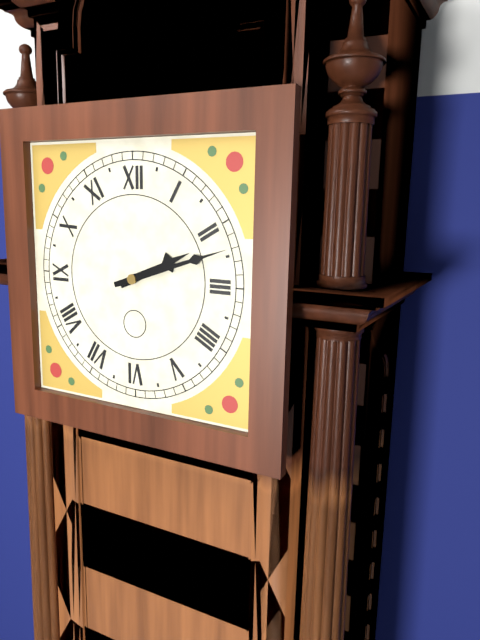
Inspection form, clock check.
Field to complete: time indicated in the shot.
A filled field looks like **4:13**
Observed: **2:12**
